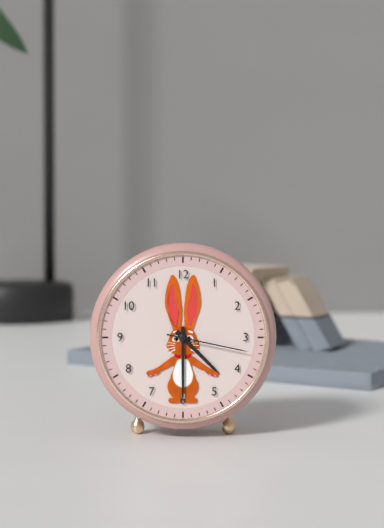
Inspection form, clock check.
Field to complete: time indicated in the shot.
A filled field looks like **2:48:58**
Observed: **4:30:17**
